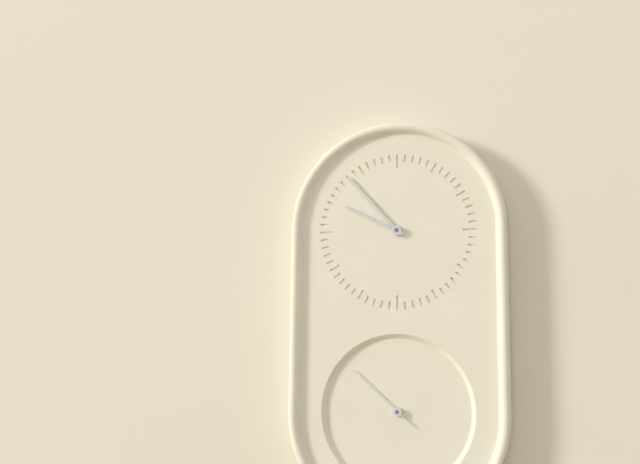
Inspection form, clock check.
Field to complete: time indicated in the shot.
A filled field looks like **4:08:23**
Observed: **9:53:52**
